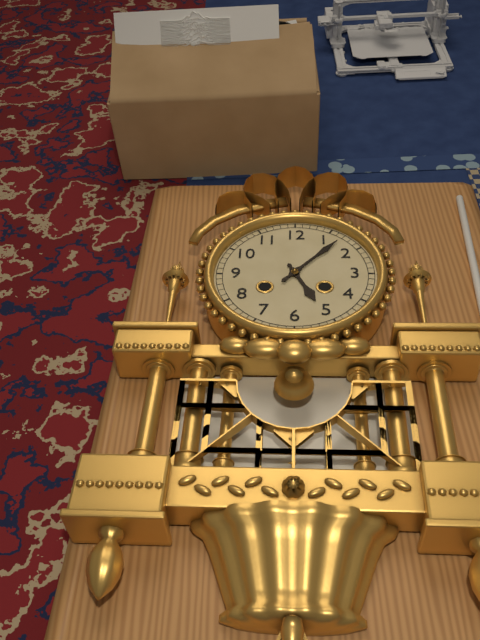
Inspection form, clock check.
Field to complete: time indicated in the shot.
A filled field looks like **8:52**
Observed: **5:07**
